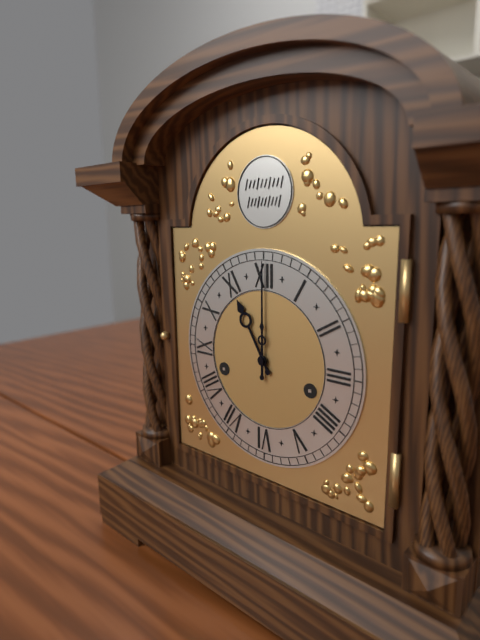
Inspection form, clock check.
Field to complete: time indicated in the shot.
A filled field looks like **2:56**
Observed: **11:00**
